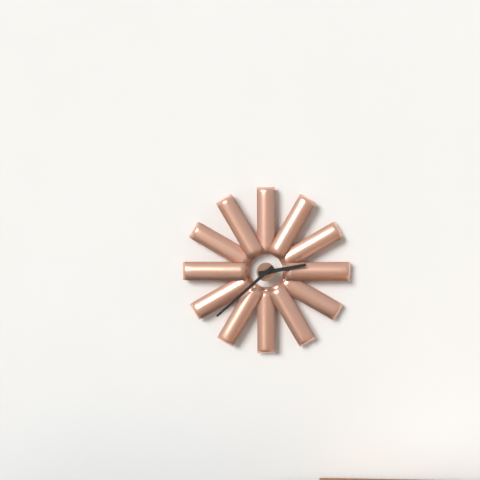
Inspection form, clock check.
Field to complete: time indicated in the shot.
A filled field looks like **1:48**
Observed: **2:38**
